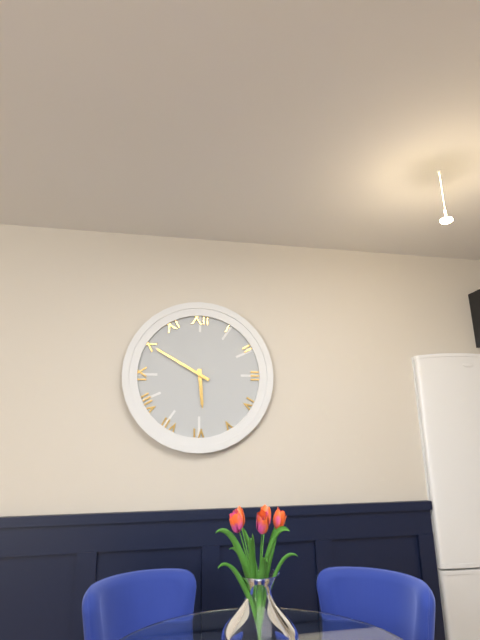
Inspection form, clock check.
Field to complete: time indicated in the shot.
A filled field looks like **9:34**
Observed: **5:50**
